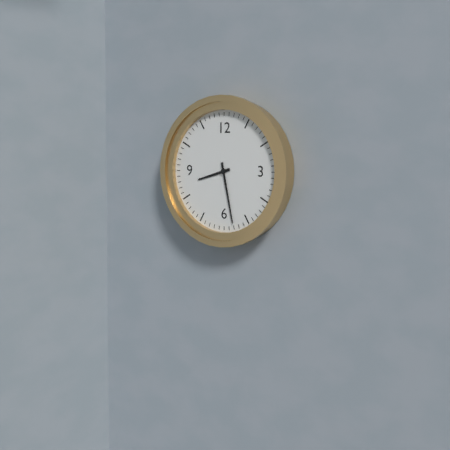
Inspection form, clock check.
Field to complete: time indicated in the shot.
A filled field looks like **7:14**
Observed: **8:28**
